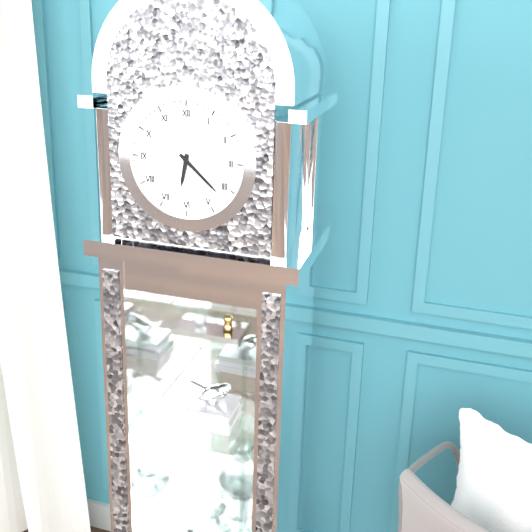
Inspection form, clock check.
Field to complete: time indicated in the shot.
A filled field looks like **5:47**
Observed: **6:22**
